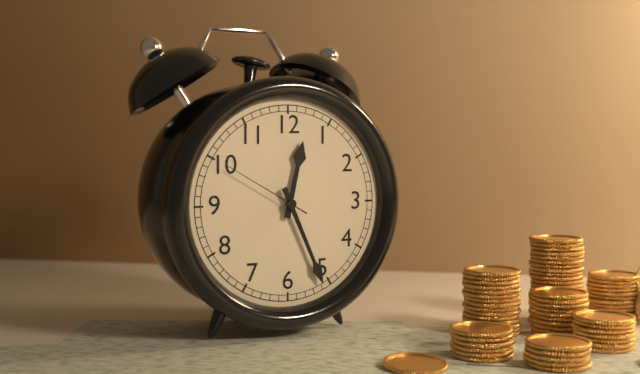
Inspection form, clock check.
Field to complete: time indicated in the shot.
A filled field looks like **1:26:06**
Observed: **12:26:50**
